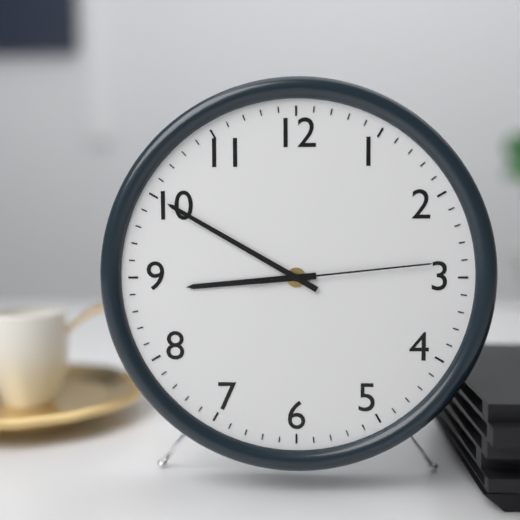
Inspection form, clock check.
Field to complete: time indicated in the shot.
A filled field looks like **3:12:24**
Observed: **8:50:14**
